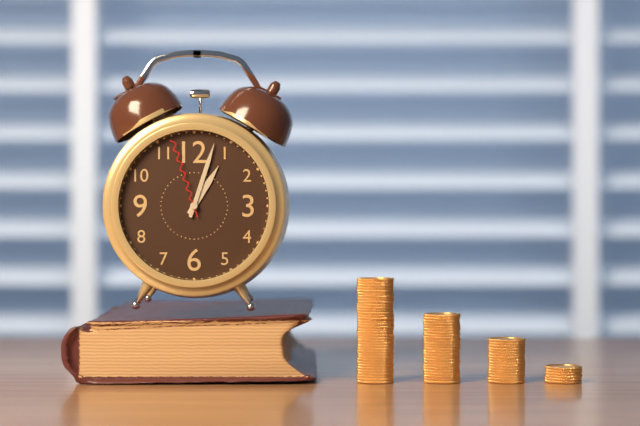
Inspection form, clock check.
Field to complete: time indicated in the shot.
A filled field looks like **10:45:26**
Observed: **1:03:57**
